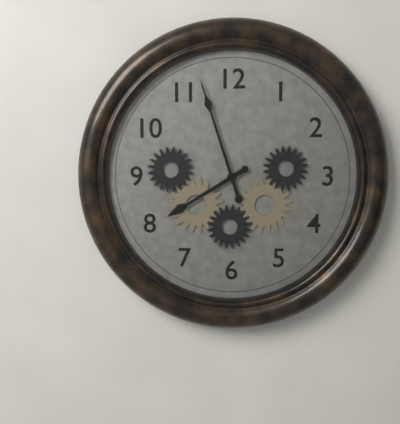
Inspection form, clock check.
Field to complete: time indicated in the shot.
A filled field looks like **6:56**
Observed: **7:57**
